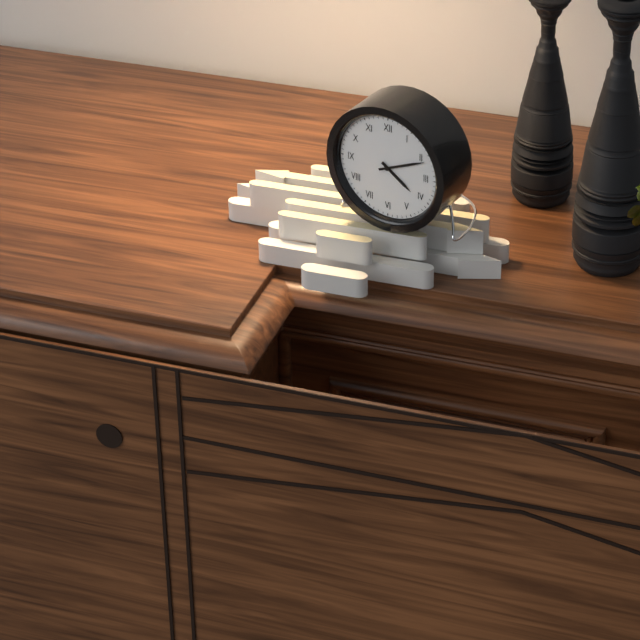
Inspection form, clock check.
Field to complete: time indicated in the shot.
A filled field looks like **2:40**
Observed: **4:11**
